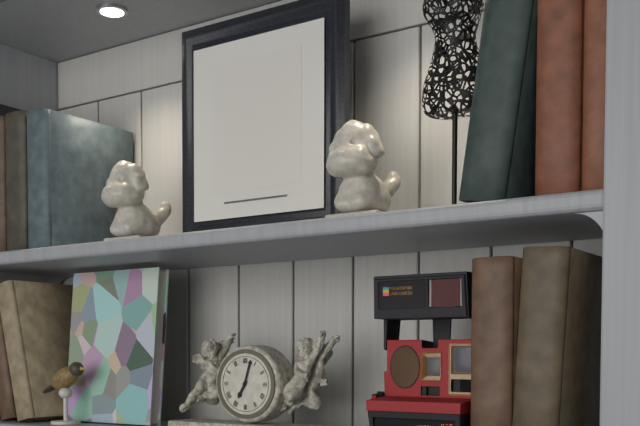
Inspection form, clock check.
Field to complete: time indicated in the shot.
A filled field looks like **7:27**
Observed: **7:03**
